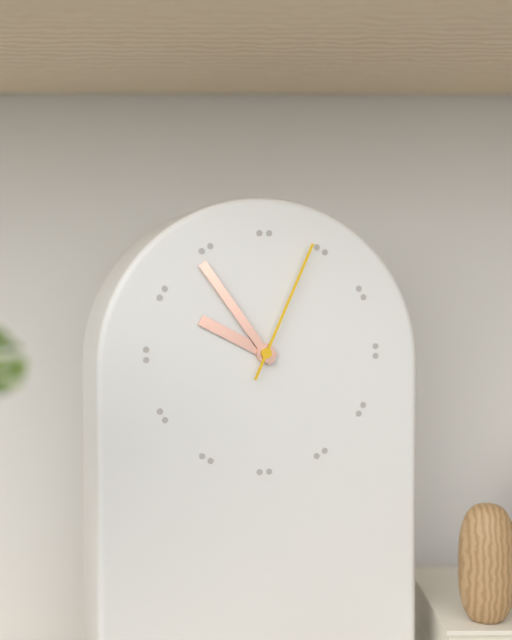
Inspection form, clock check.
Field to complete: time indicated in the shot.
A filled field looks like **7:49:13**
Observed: **9:54:04**
